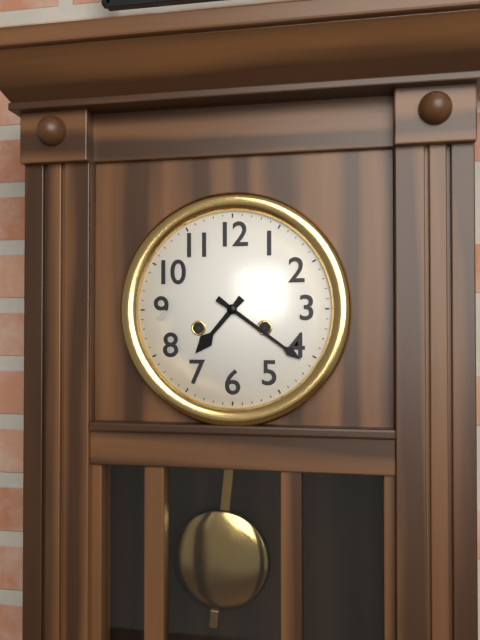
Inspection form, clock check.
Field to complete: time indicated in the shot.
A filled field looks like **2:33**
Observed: **7:21**
